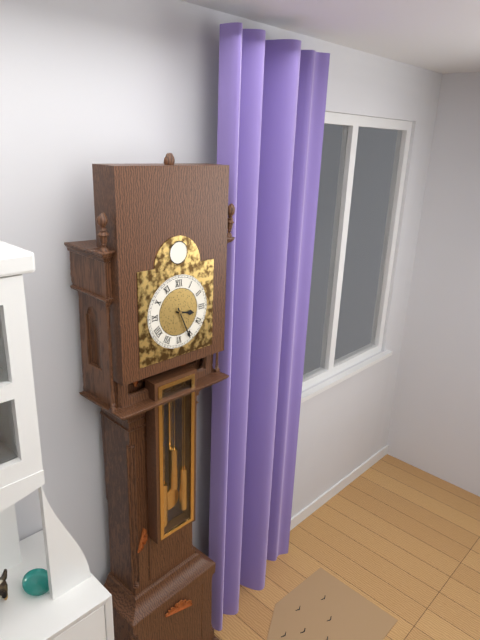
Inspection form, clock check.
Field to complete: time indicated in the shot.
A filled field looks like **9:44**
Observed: **3:26**
